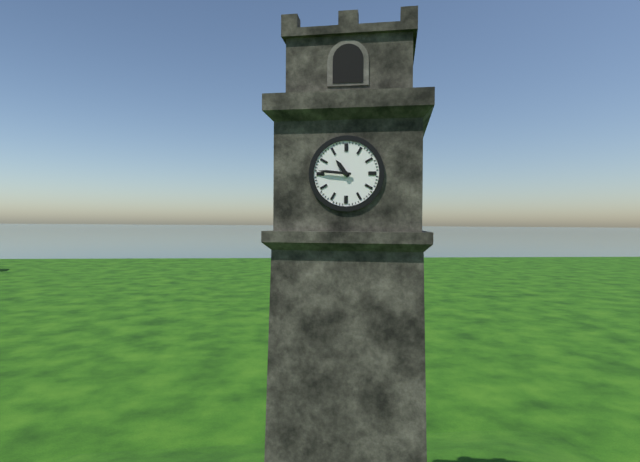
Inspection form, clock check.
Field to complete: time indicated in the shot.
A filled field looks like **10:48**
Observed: **10:46**
